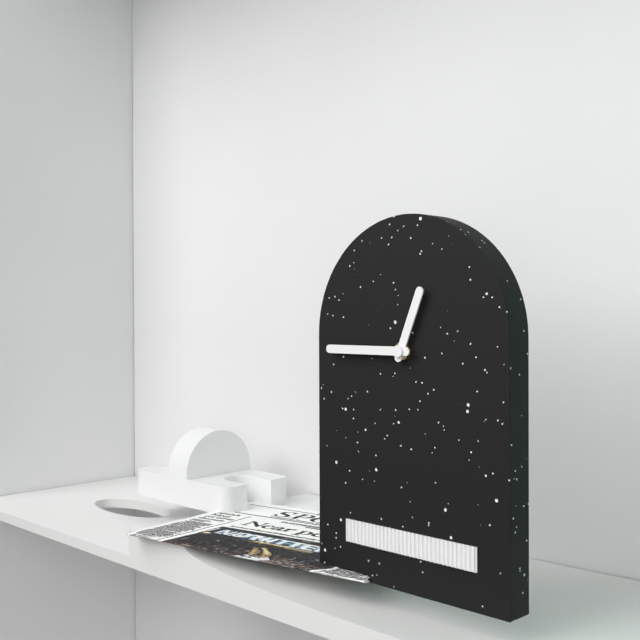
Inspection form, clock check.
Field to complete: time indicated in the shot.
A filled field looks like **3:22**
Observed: **12:45**
